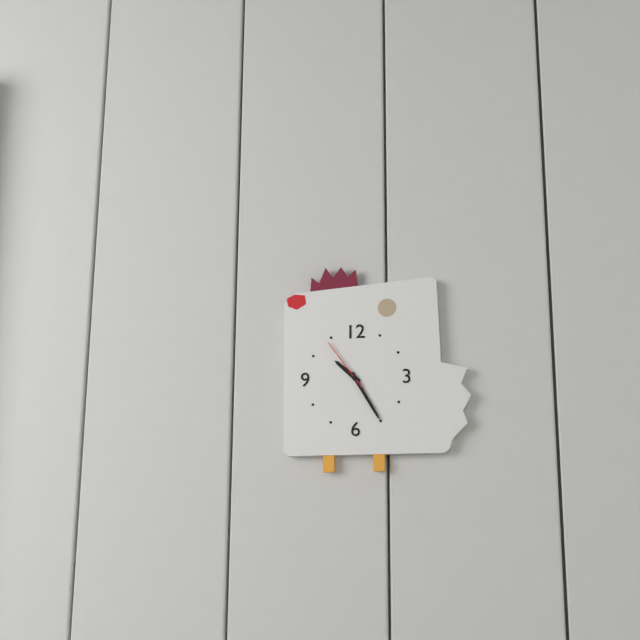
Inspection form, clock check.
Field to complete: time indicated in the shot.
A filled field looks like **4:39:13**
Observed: **10:25:54**
